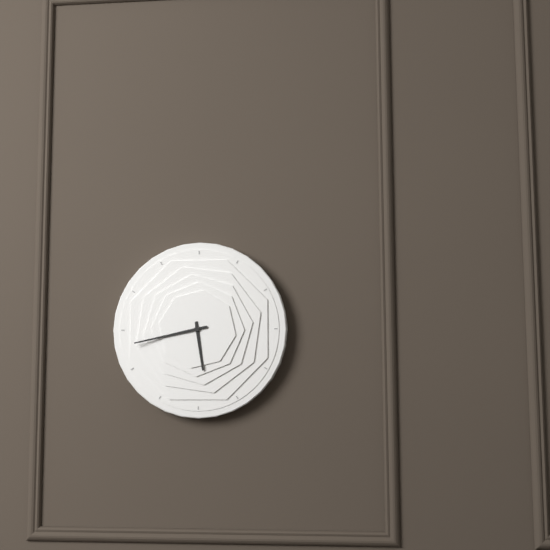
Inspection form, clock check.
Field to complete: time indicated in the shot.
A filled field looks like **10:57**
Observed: **5:43**
